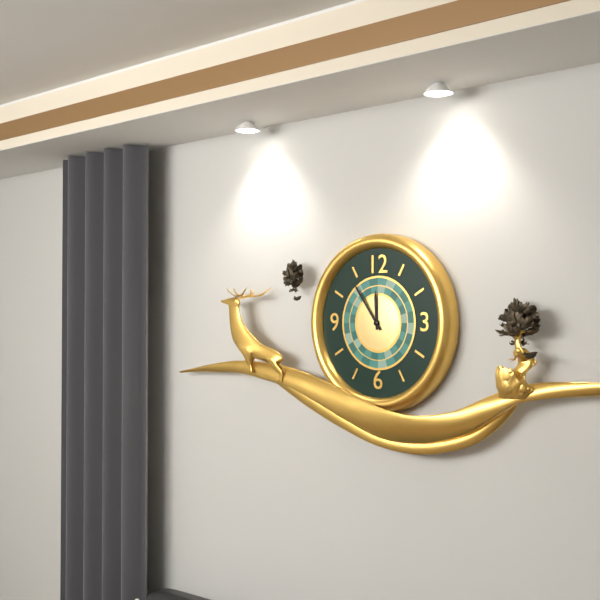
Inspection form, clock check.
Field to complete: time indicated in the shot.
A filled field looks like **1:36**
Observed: **11:54**
